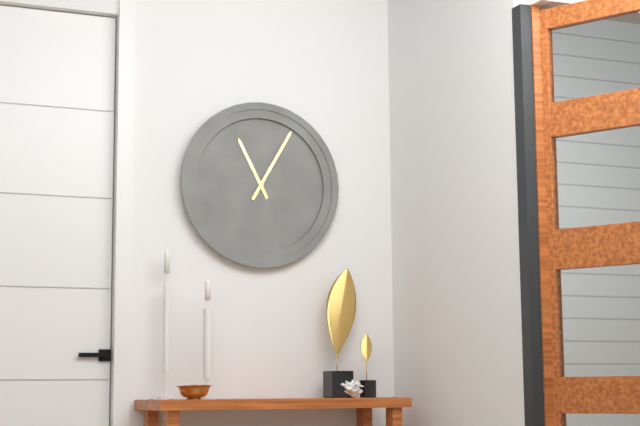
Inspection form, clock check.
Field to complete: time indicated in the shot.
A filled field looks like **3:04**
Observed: **11:05**
